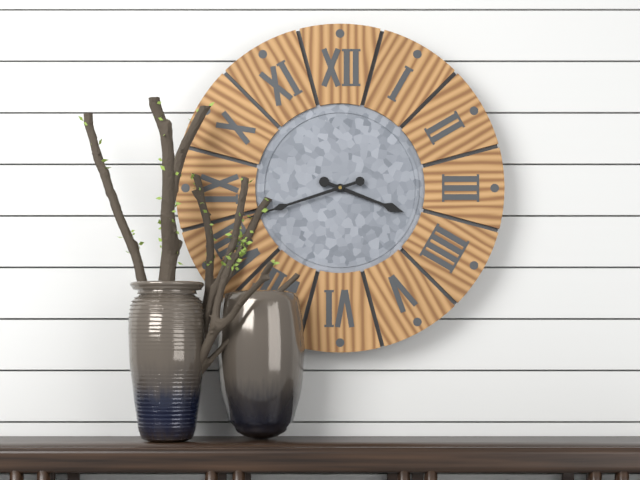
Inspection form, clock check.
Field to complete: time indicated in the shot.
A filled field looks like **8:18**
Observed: **3:42**
